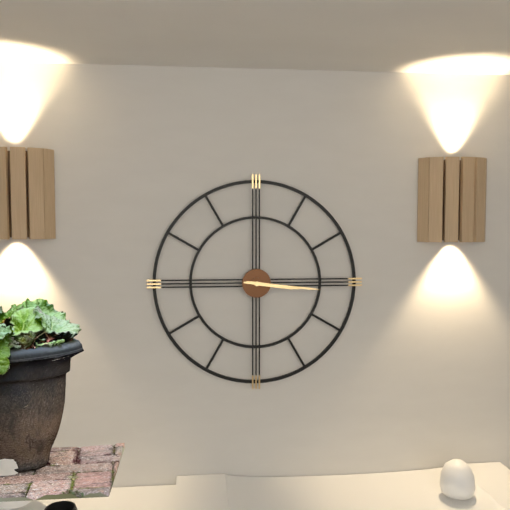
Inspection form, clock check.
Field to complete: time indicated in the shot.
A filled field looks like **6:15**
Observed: **3:16**
